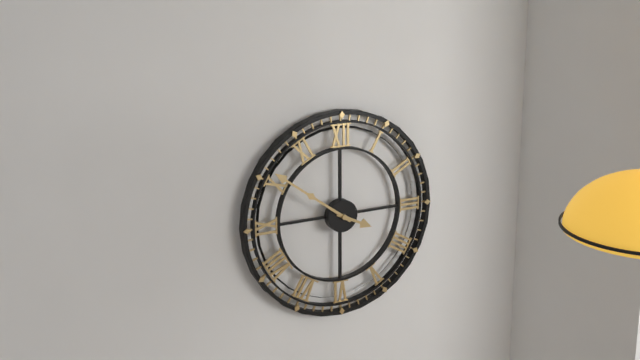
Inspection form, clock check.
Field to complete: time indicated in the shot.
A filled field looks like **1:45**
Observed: **3:51**
